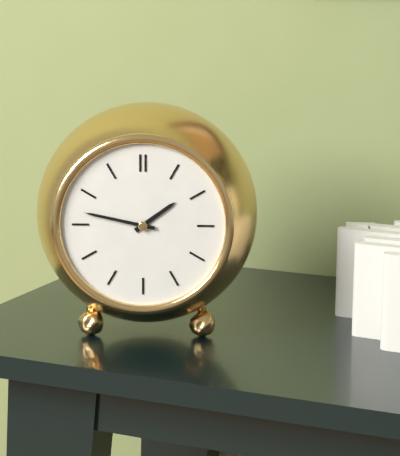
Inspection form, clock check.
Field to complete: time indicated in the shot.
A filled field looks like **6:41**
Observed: **1:47**
